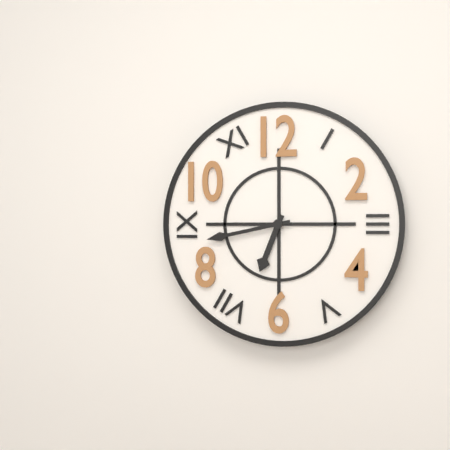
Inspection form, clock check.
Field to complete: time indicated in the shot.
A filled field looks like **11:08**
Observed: **6:43**
